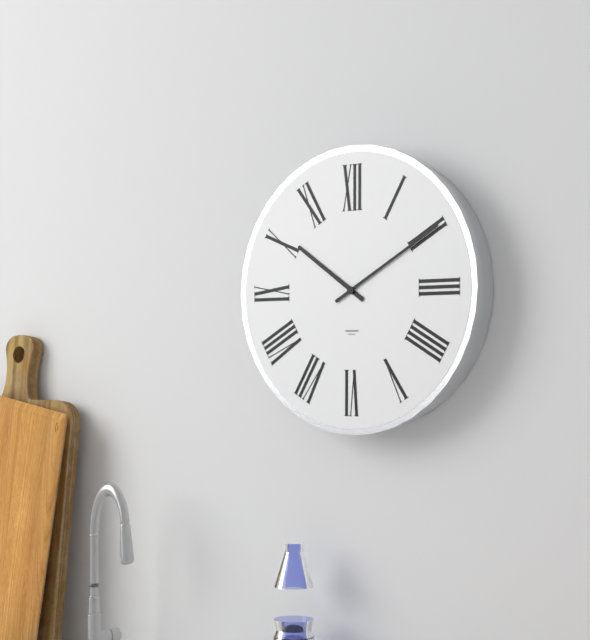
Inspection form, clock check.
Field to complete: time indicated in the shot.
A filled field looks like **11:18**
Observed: **10:10**
